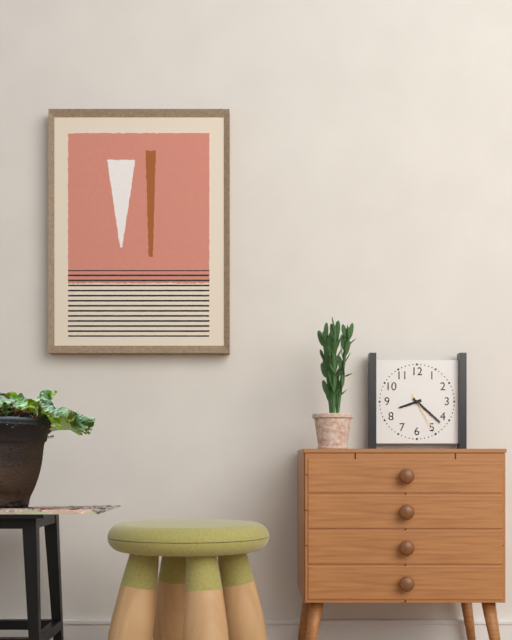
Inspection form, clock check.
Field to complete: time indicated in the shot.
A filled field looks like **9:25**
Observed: **8:22**
